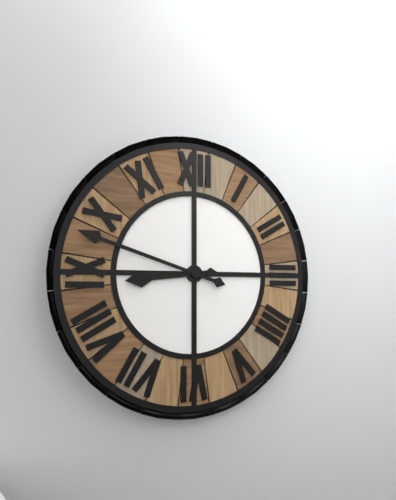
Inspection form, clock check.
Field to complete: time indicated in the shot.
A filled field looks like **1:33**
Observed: **8:48**
